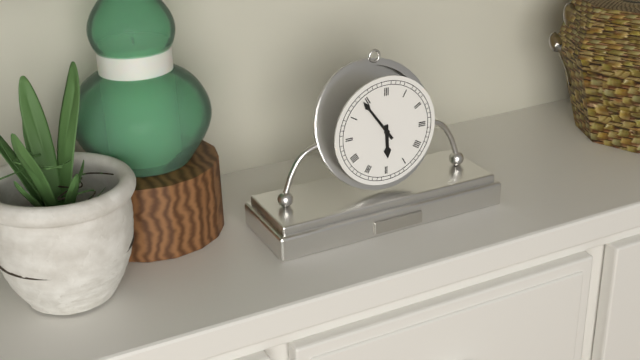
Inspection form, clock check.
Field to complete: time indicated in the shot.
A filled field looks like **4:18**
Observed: **5:54**
